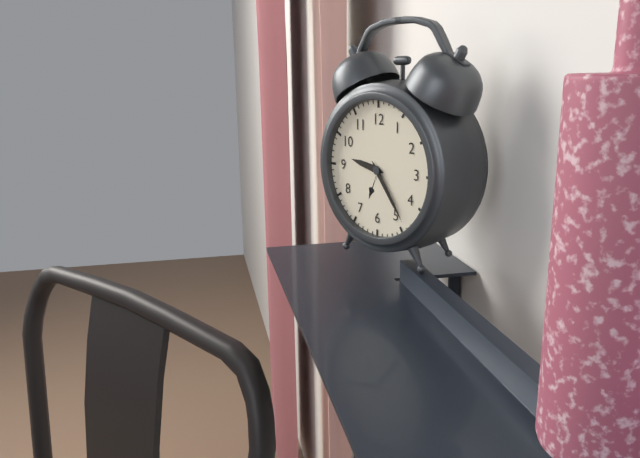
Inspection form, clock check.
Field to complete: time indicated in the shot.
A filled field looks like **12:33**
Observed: **9:24**
